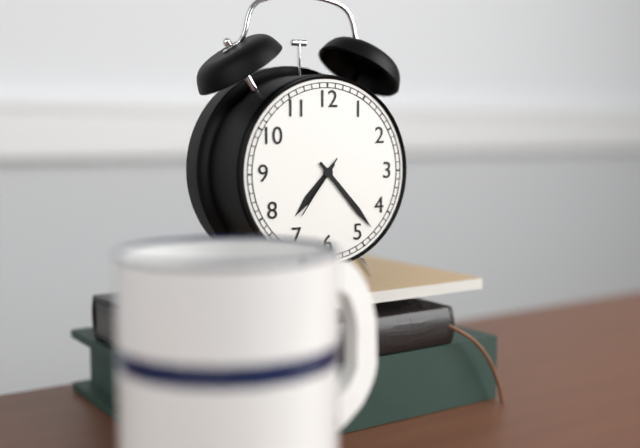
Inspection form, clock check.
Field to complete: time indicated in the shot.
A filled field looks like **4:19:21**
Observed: **7:23:36**
